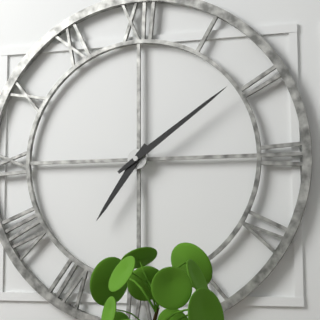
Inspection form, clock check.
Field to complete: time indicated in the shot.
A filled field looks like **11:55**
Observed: **7:09**
